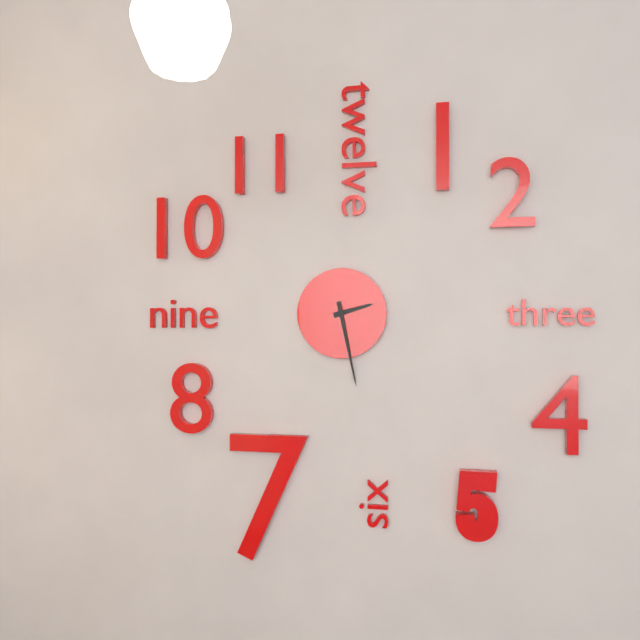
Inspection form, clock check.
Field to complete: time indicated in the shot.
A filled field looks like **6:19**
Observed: **2:28**
